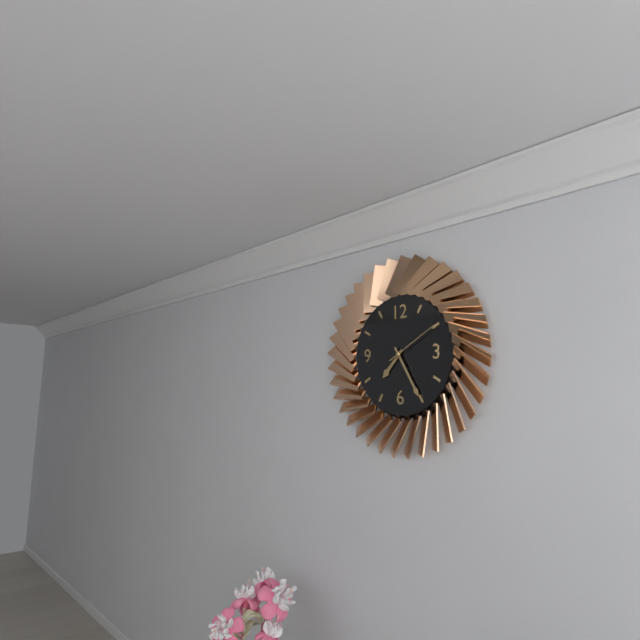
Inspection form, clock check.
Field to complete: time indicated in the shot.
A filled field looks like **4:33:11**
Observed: **7:25:10**
